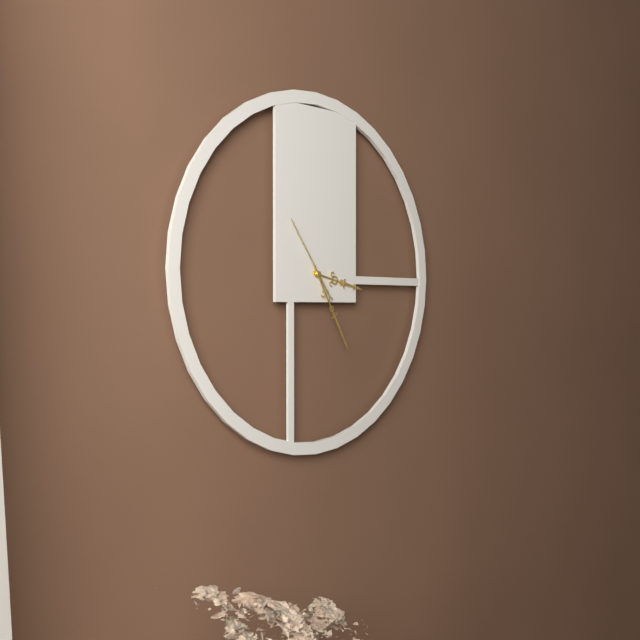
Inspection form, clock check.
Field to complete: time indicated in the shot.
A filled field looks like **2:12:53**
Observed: **3:25:54**
